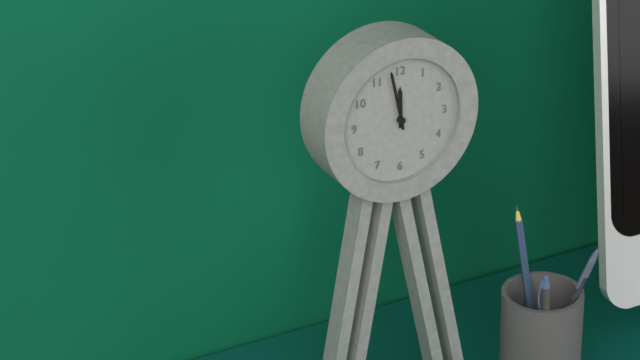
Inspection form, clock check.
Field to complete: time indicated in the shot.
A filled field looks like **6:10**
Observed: **11:58**
